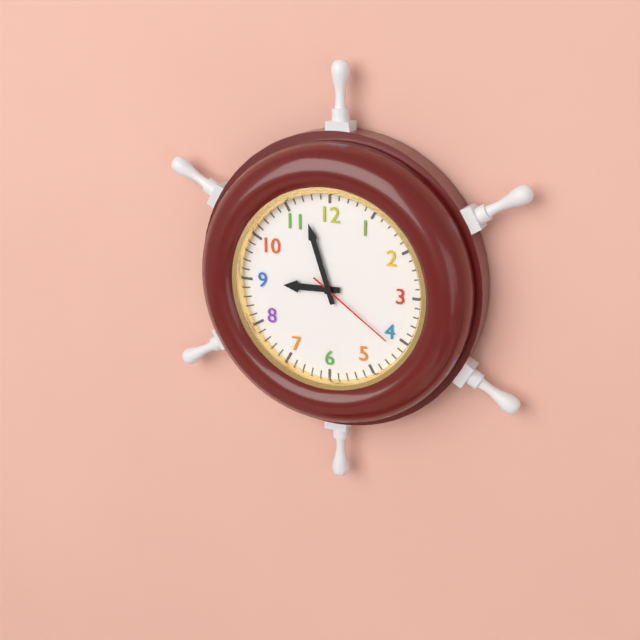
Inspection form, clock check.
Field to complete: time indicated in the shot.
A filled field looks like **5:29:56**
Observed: **8:57:21**
